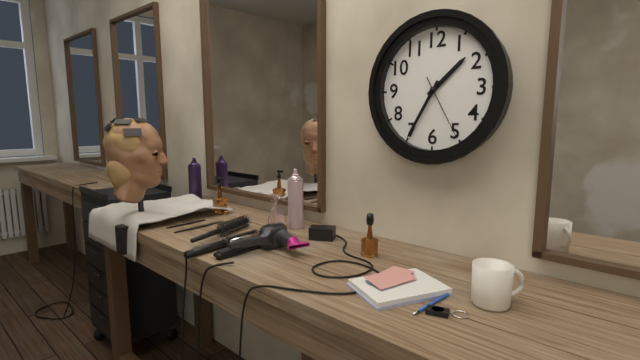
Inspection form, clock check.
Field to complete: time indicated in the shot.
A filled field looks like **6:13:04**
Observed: **1:35:25**
